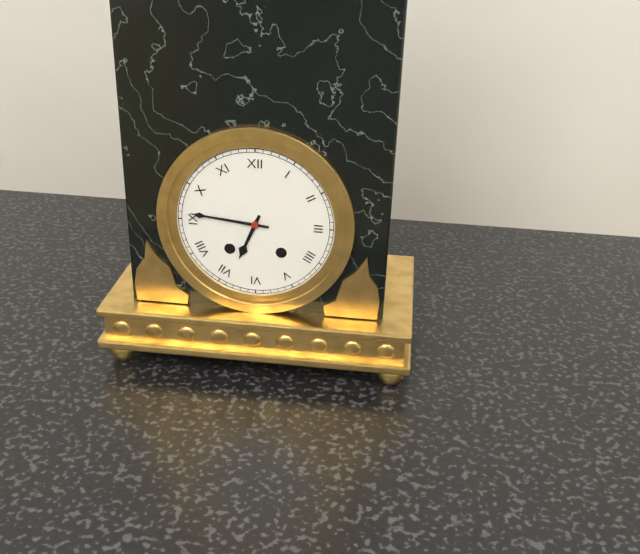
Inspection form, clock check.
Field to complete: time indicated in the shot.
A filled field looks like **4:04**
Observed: **6:46**
